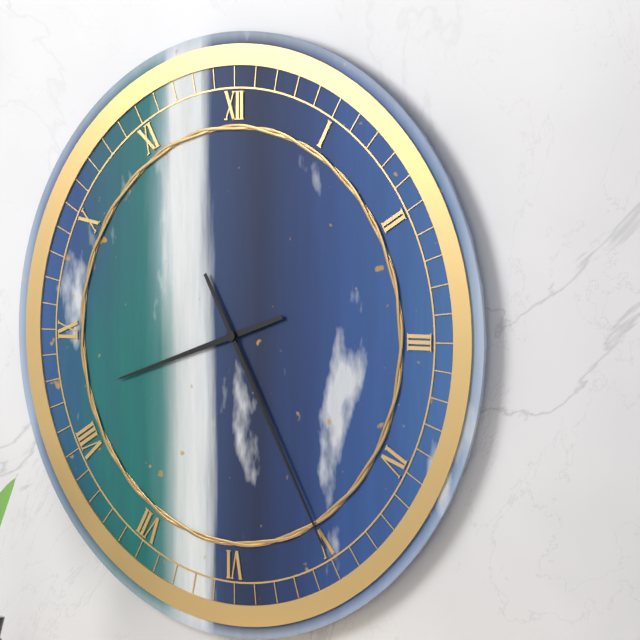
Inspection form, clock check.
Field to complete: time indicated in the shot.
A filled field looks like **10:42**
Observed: **8:25**
